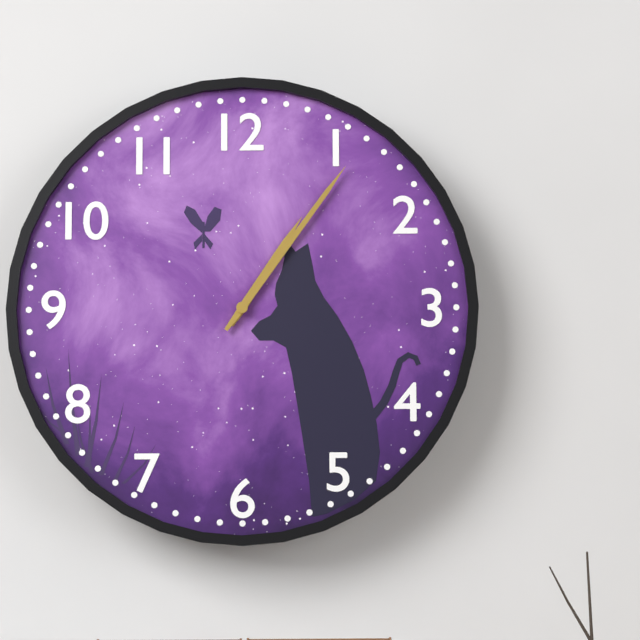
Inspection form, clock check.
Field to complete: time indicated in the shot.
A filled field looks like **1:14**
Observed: **1:06**
